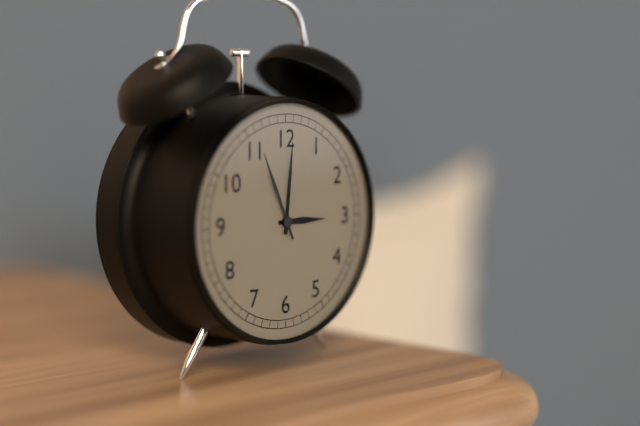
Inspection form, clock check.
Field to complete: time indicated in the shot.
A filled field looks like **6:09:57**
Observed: **3:01:56**
